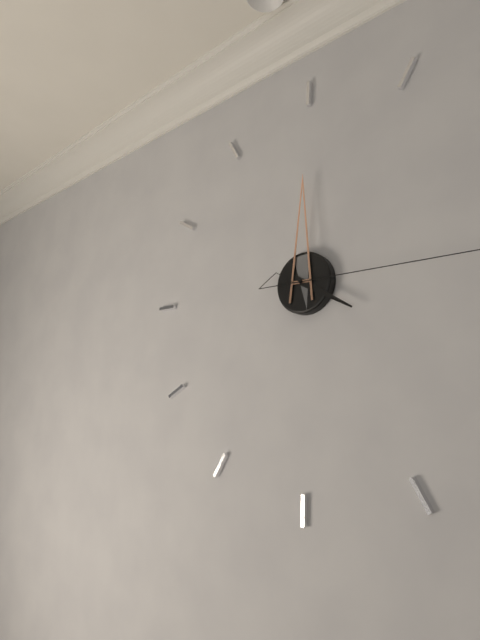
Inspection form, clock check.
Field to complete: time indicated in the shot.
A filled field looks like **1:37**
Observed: **4:00**
